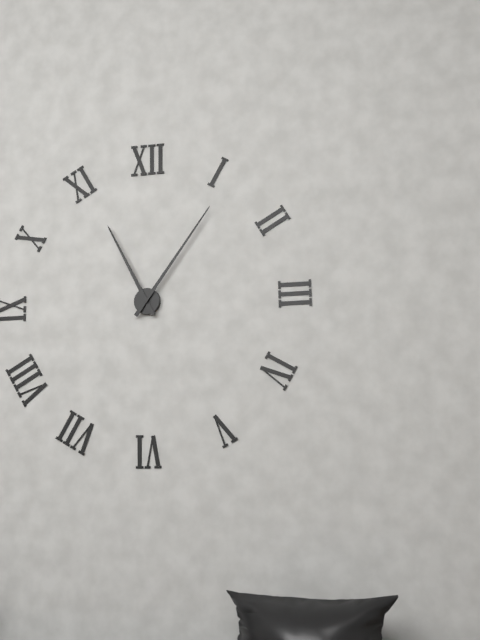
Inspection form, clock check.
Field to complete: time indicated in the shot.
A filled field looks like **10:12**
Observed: **11:06**
